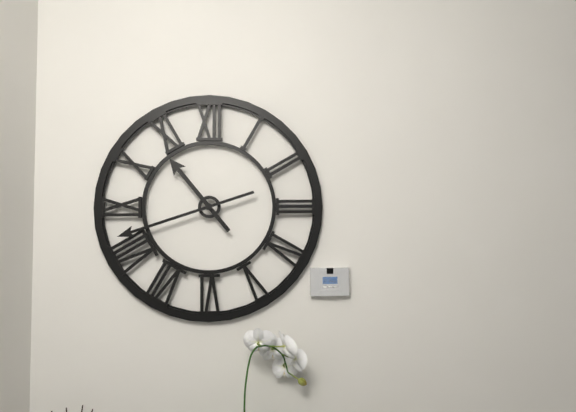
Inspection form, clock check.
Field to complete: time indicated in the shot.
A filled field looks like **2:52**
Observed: **10:42**
